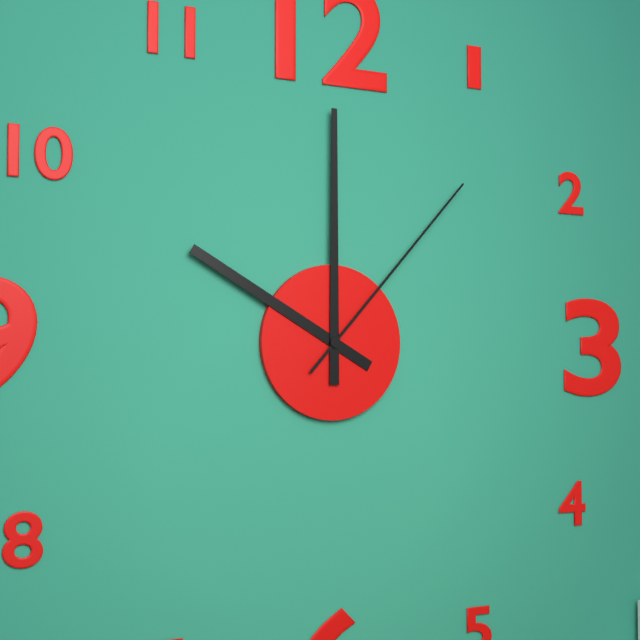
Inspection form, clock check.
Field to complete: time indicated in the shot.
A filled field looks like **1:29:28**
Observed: **10:00:07**
